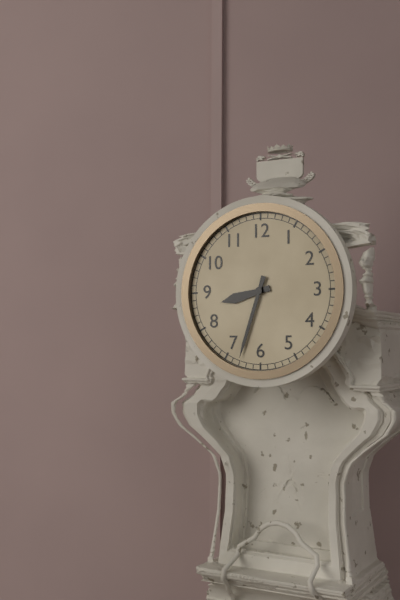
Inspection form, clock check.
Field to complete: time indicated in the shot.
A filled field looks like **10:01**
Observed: **8:33**
